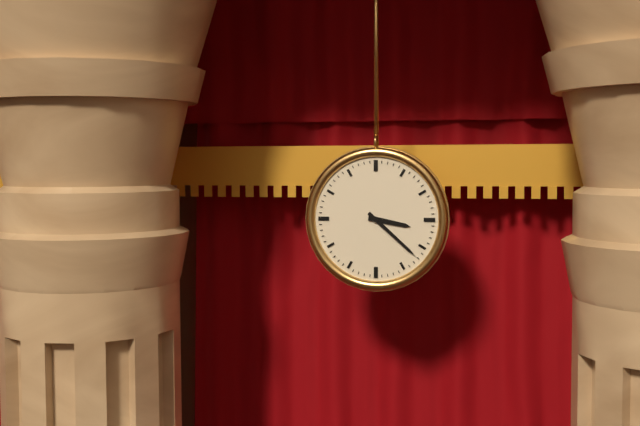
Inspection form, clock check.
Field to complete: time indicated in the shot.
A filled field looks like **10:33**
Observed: **3:22**
